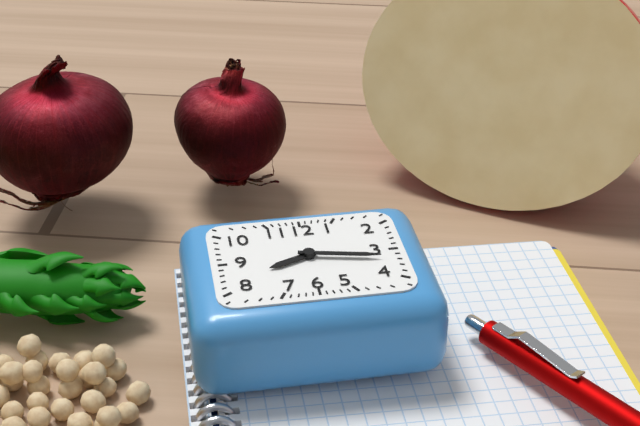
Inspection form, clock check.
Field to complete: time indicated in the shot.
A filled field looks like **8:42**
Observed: **8:17**
